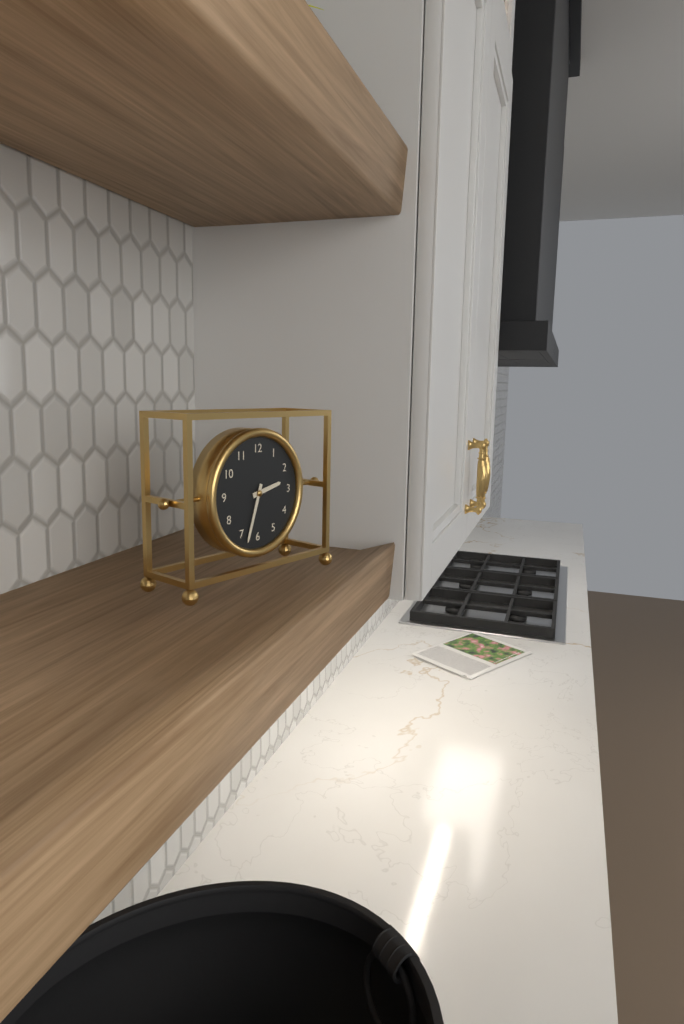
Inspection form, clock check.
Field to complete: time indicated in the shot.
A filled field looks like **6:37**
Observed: **2:33**
